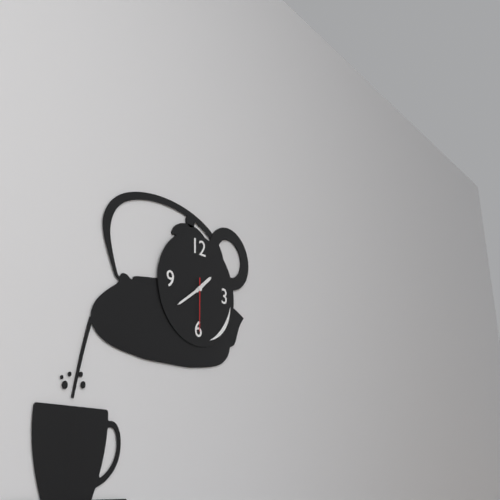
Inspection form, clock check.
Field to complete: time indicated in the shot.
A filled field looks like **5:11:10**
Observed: **1:39:30**
